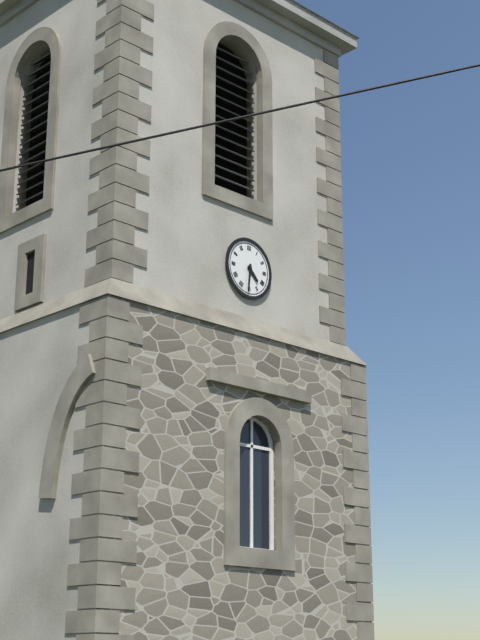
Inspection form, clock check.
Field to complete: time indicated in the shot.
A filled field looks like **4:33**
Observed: **4:31**
